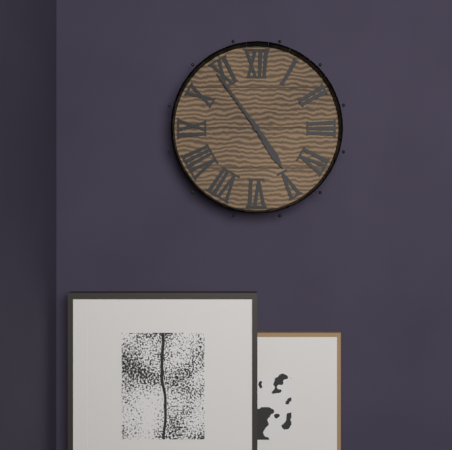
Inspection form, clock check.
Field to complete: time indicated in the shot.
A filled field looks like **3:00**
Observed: **4:54**
